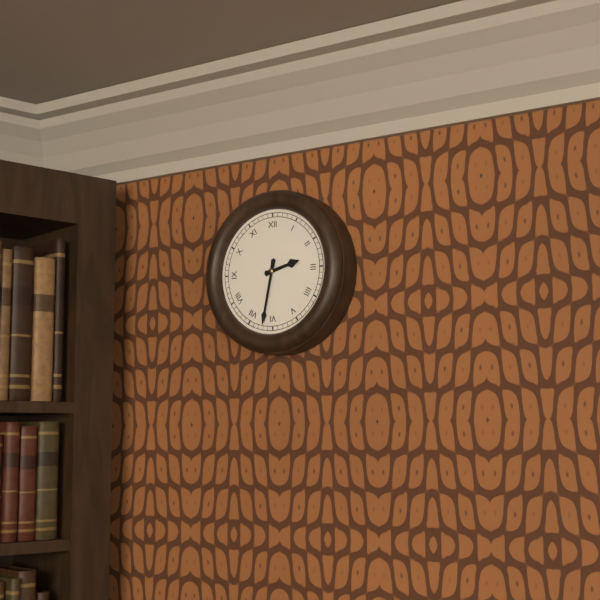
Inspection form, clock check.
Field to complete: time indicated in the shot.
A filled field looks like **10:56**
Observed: **2:32**
